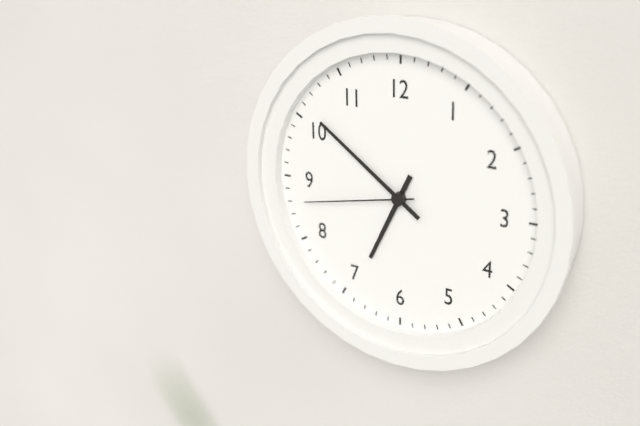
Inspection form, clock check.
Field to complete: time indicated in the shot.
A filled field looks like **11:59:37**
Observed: **6:51:43**
